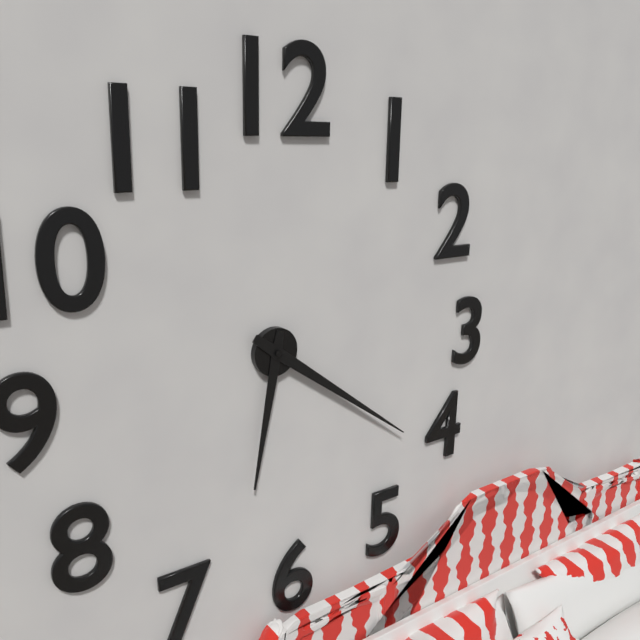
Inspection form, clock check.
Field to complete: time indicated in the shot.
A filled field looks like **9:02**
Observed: **6:21**
